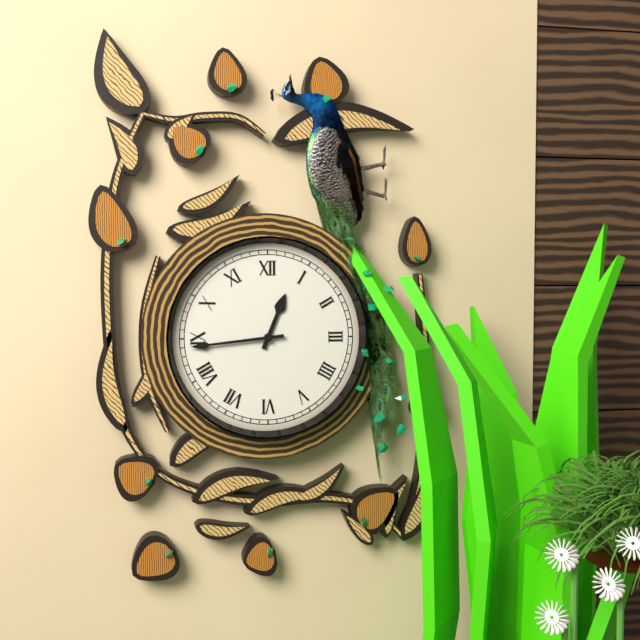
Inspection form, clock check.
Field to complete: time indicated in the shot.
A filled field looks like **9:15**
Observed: **12:44**
